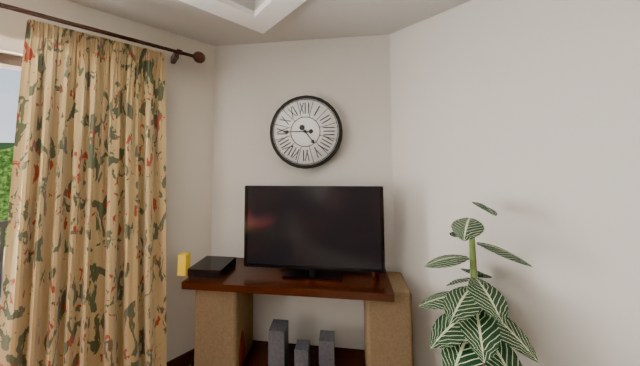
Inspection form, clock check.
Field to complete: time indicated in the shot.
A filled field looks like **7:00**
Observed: **4:45**
